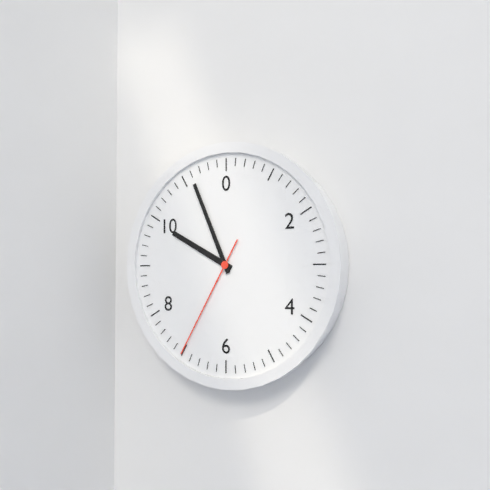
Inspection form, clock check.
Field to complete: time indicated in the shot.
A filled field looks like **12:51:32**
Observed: **9:56:35**
